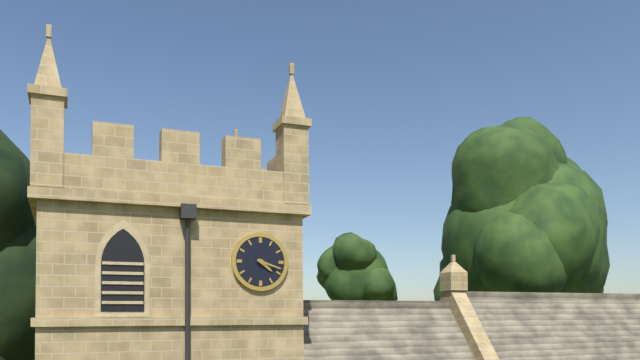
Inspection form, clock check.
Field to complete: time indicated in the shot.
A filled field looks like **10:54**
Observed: **4:18**
